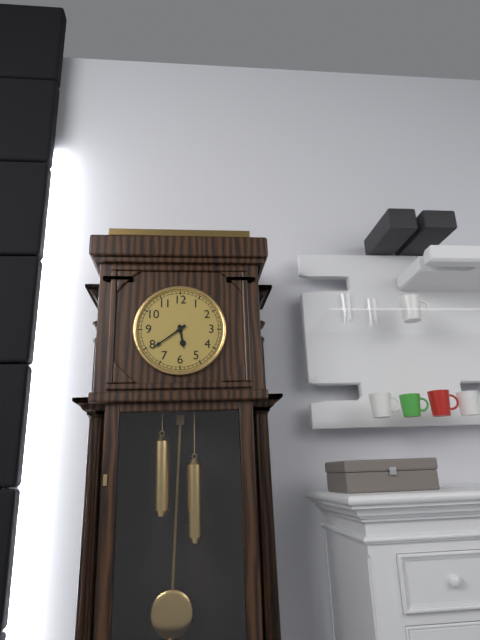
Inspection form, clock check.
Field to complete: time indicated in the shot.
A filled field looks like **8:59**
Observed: **5:39**
